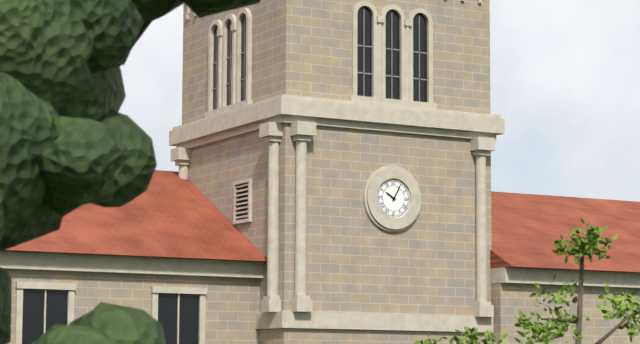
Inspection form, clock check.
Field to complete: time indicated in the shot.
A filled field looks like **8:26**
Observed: **10:05**
